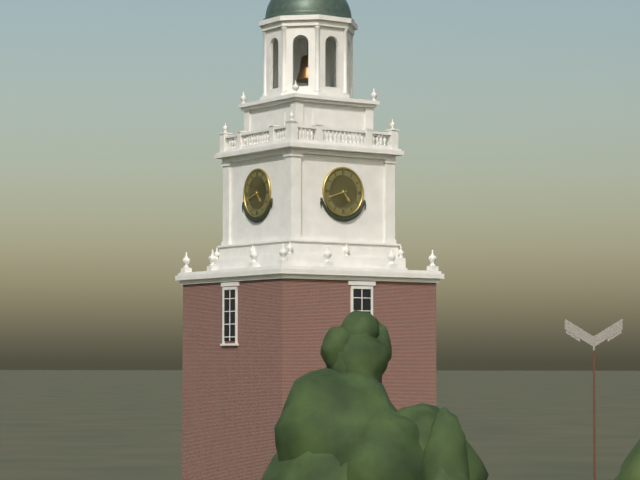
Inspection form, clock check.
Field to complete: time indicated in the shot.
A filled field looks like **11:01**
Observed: **4:42**
